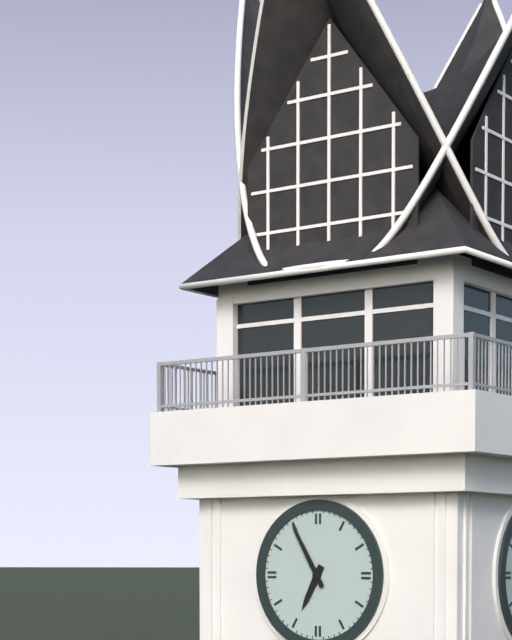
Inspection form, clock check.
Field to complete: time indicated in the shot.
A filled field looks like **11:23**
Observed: **6:55**
